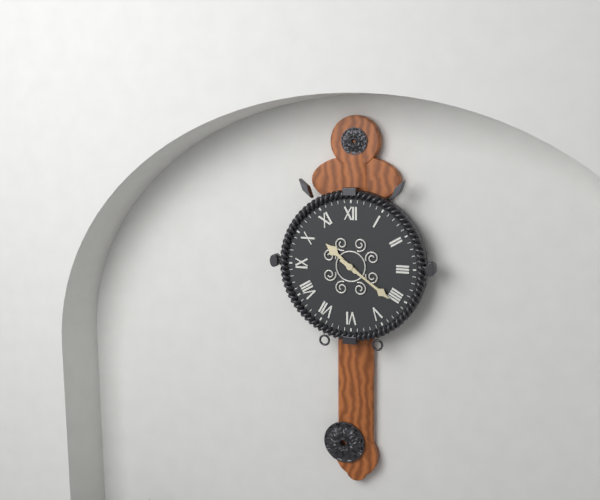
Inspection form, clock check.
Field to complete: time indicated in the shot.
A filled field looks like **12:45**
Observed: **10:21**
